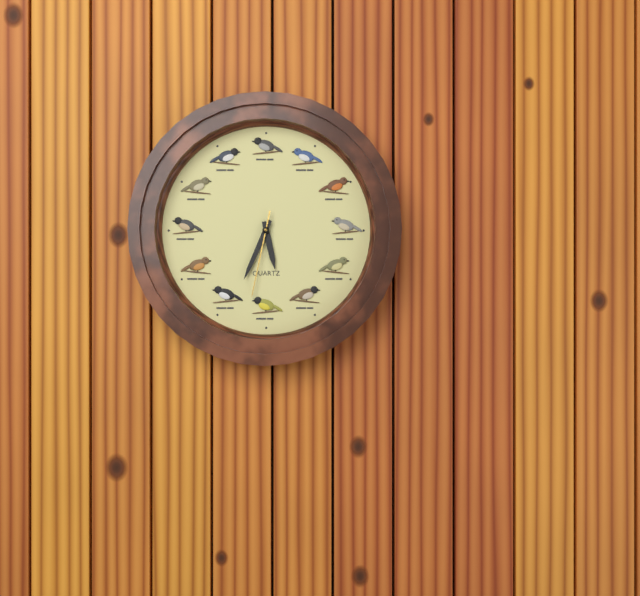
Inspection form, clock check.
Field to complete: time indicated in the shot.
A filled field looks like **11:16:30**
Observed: **5:34:32**
